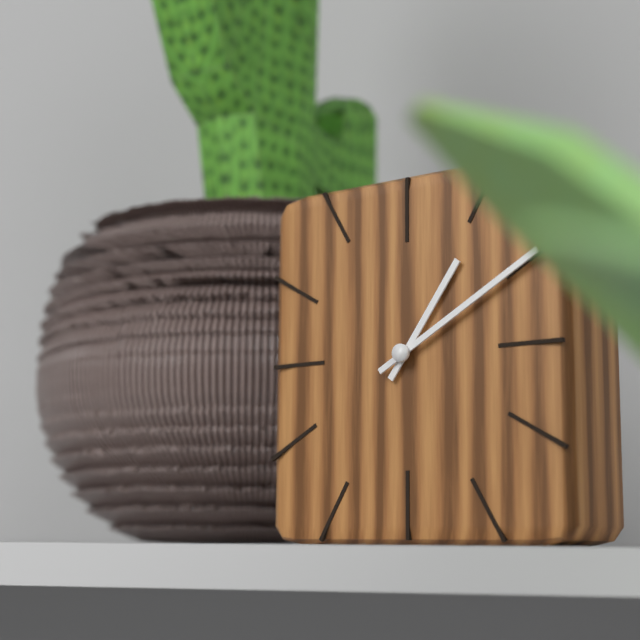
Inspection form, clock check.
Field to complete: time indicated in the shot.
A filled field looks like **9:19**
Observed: **1:10**
